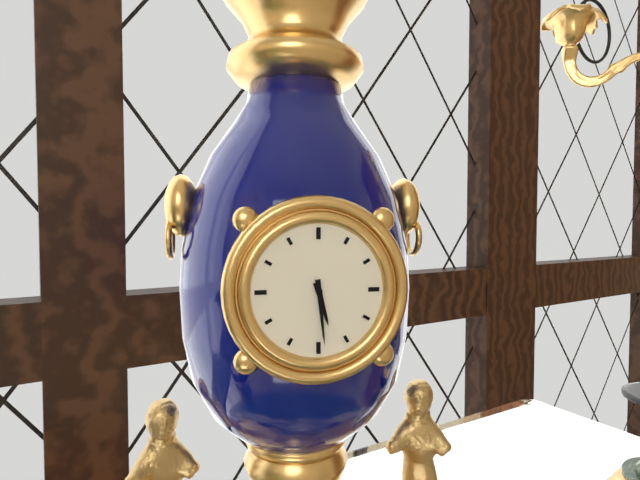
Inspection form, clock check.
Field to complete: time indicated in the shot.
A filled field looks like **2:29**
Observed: **5:29**
